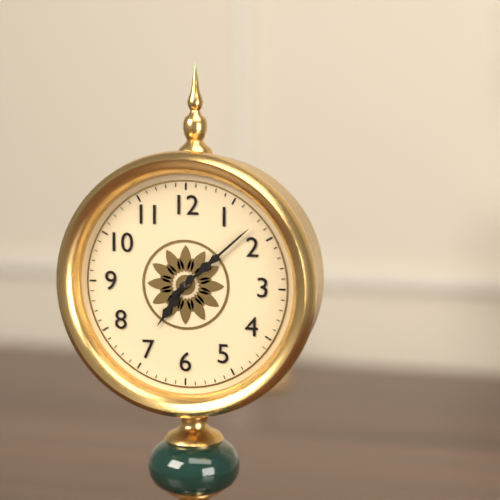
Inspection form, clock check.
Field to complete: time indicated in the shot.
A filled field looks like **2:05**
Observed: **7:08**
